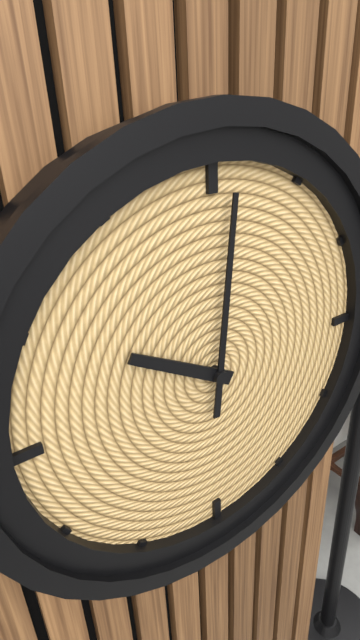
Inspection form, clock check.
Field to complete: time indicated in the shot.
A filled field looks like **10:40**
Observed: **10:01**
